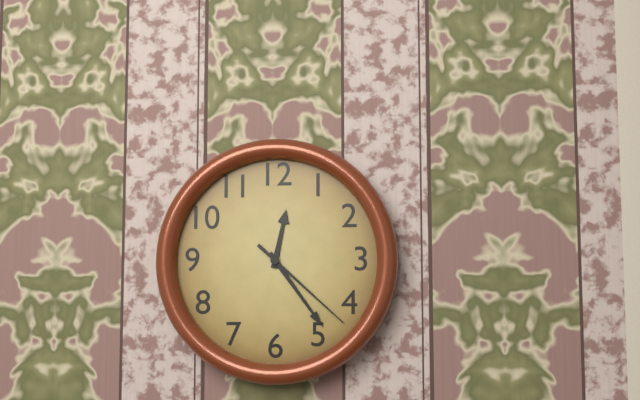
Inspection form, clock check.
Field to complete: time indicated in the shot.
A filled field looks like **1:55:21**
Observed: **12:24:22**
